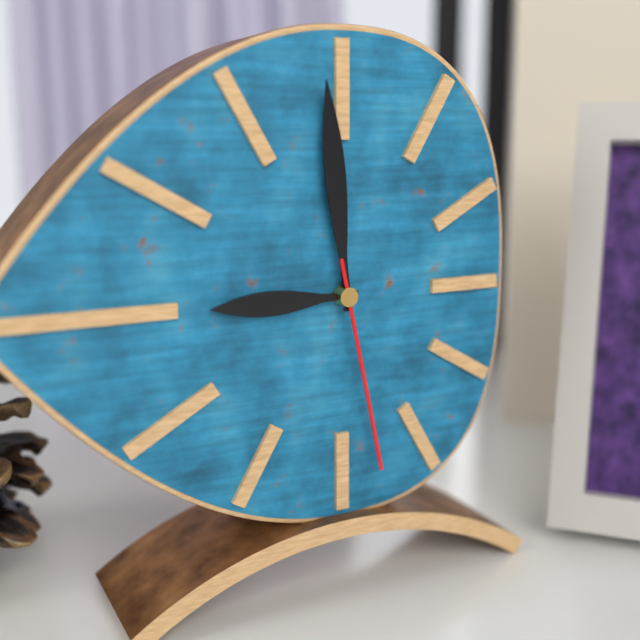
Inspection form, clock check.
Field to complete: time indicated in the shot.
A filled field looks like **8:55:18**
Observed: **8:59:28**
